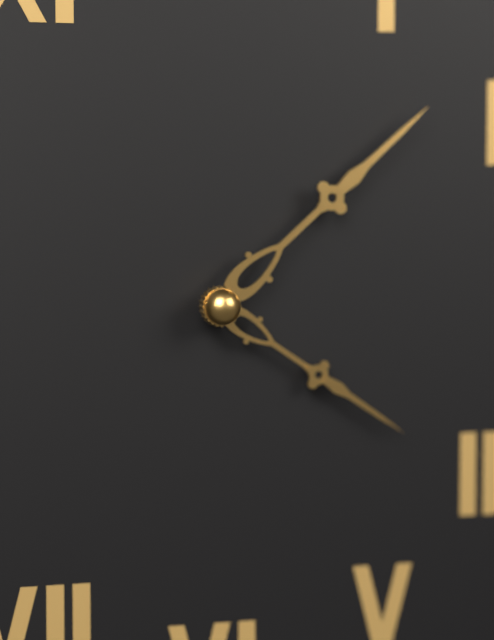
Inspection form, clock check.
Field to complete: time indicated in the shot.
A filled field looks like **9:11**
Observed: **4:08**
